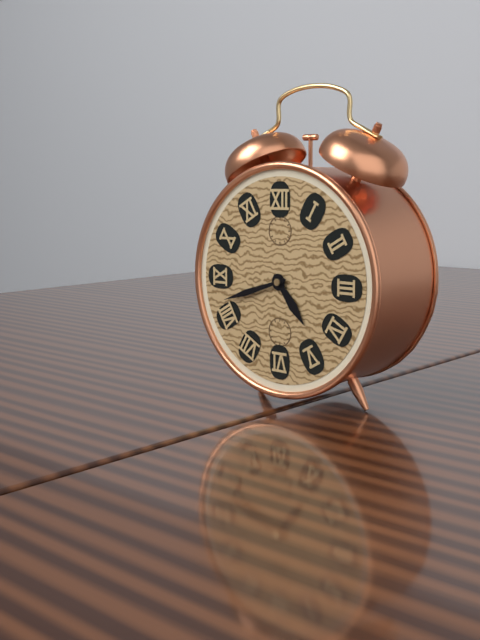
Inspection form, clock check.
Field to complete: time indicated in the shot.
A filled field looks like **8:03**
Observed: **4:42**
